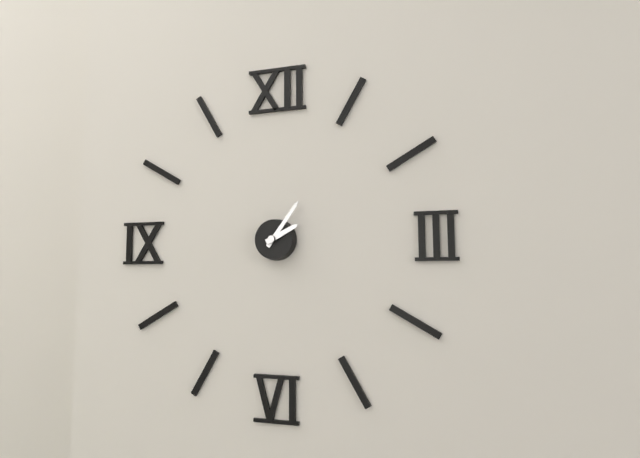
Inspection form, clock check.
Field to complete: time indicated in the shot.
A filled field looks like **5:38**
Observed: **2:06**
